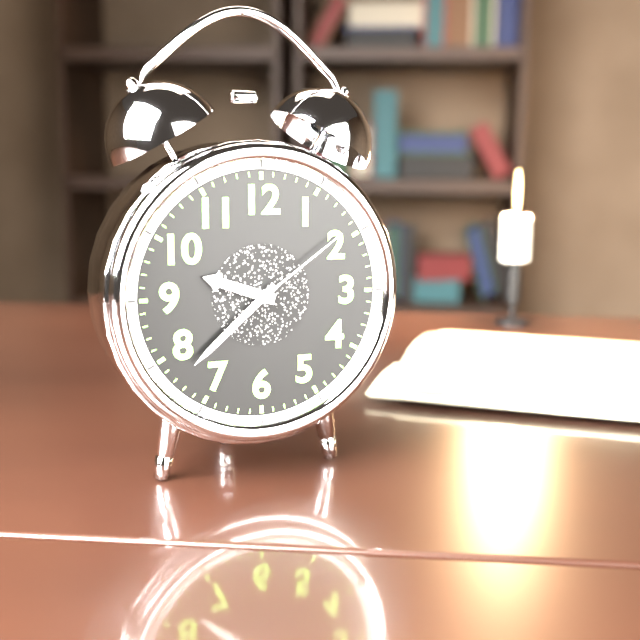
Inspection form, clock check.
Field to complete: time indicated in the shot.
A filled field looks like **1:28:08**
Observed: **9:38:09**
